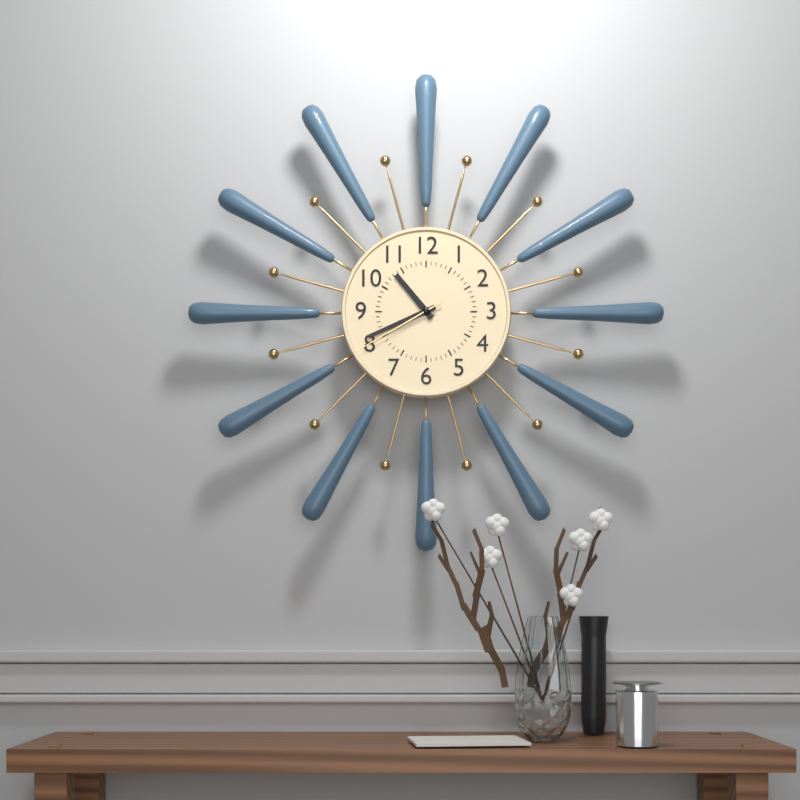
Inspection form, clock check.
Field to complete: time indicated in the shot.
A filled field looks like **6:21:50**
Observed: **10:41:40**
